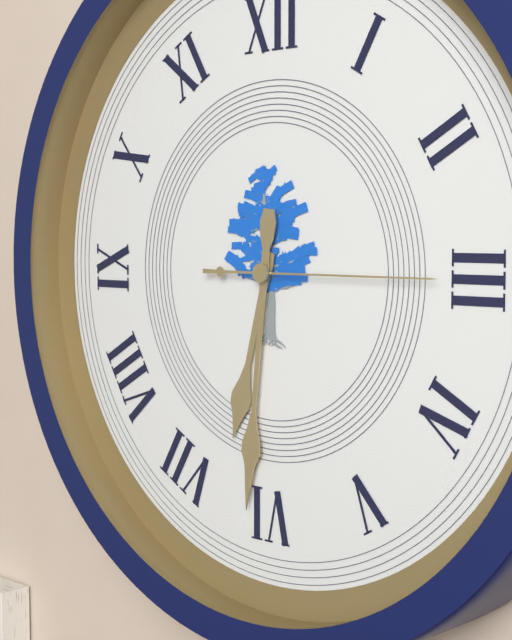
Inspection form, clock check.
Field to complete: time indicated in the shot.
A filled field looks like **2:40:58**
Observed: **6:31:15**
